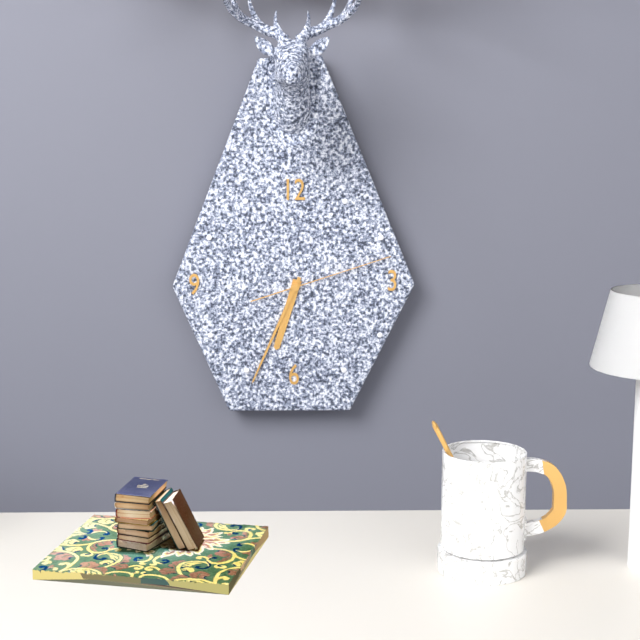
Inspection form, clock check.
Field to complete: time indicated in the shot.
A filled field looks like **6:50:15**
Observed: **6:34:12**
